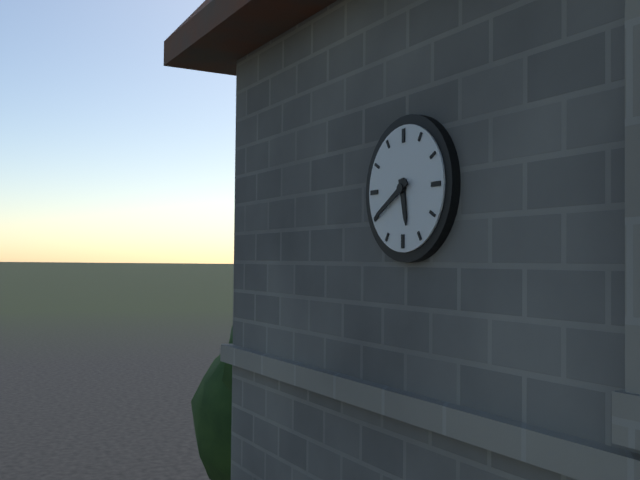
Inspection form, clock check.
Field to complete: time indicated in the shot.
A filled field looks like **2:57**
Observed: **5:40**
